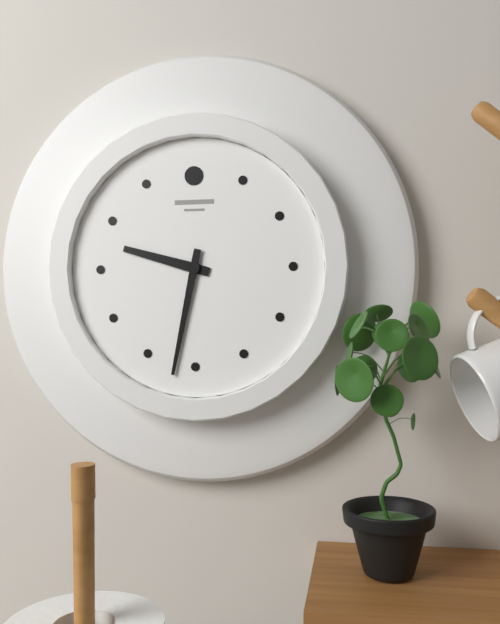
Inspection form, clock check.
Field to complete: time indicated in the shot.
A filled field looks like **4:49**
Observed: **9:32**
